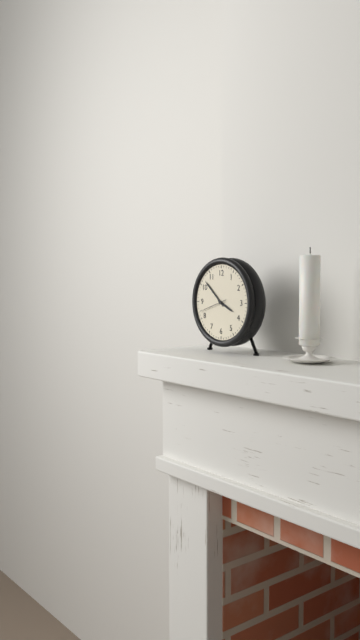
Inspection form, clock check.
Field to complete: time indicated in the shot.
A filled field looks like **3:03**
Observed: **3:52**
